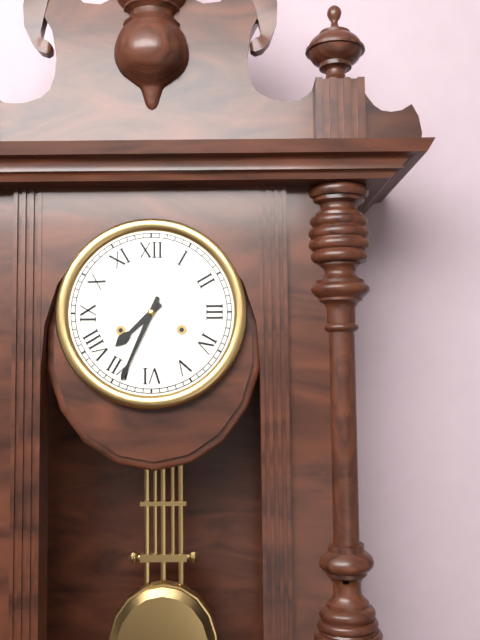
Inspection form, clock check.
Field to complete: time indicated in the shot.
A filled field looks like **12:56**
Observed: **7:34**
